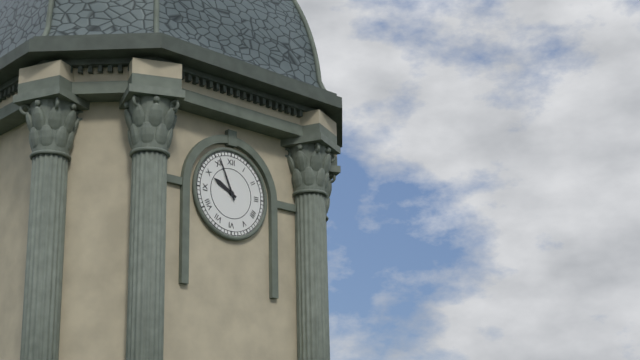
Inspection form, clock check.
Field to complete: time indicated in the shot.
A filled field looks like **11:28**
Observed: **9:56**
